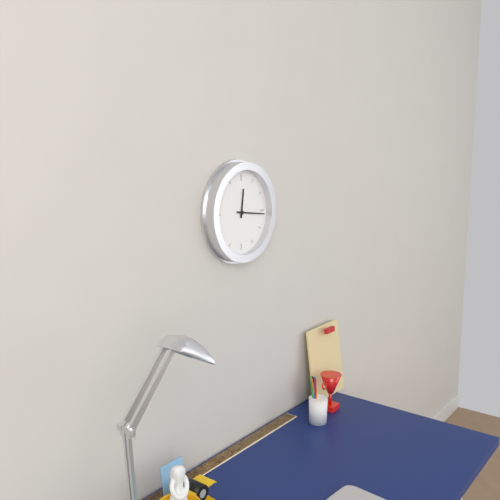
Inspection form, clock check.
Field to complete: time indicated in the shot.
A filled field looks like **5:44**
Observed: **12:16**
